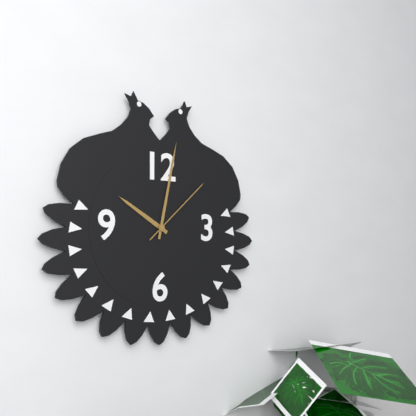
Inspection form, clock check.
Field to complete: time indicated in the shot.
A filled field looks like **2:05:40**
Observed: **10:02:08**
